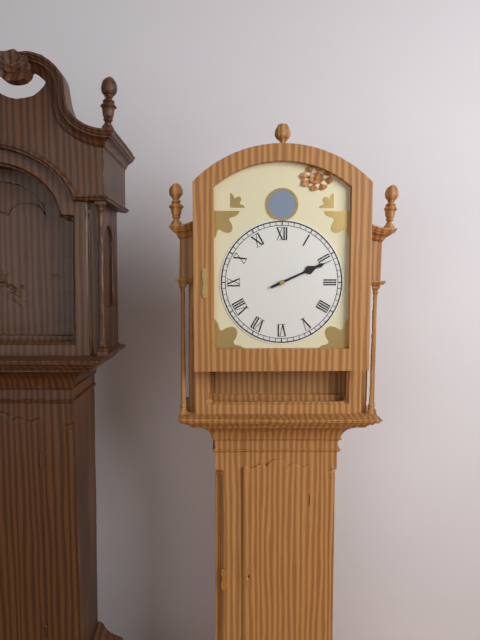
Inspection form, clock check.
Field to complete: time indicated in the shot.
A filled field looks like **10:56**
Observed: **2:11**
